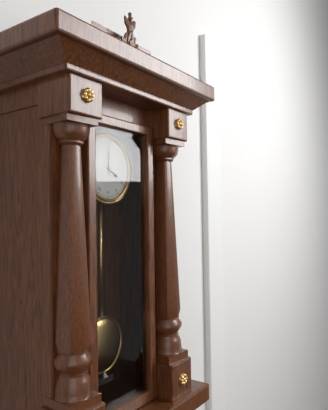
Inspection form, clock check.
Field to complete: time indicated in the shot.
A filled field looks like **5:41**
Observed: **4:00**
